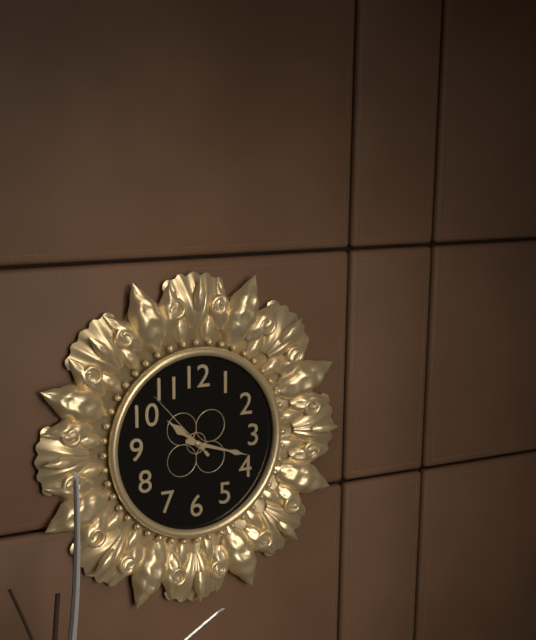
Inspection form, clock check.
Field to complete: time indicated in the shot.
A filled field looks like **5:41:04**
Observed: **10:18:53**
